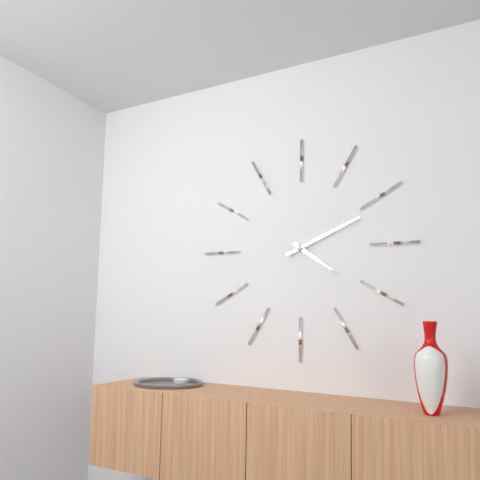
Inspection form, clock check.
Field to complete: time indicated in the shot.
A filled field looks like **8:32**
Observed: **4:11**
